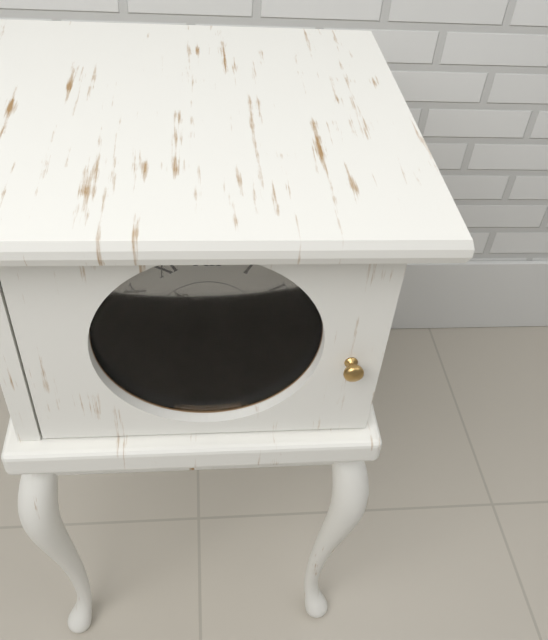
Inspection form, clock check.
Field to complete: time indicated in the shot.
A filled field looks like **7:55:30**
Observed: **10:43:45**
